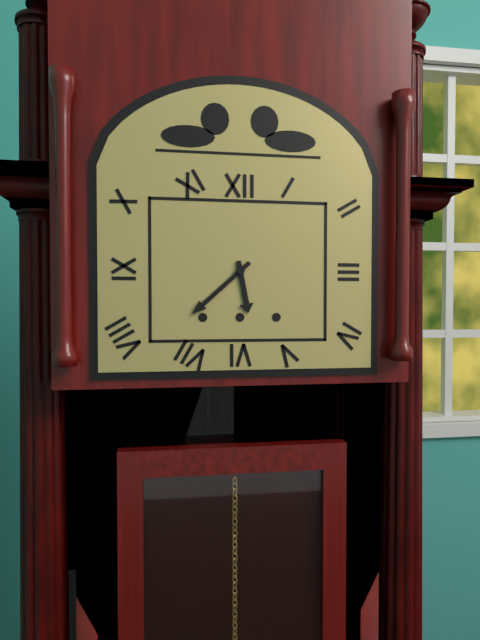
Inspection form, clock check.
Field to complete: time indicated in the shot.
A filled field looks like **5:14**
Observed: **5:38**
